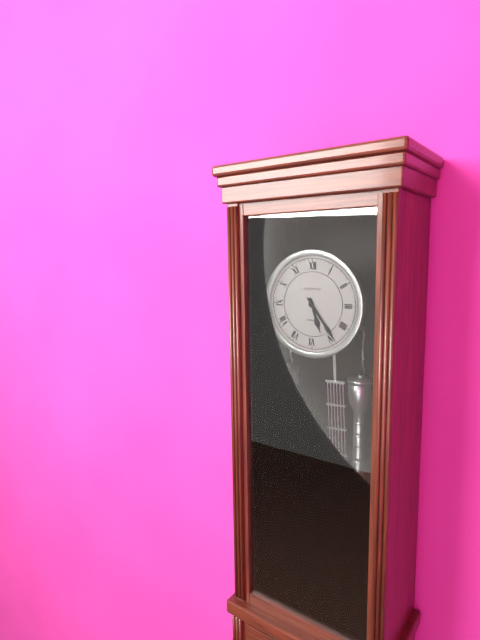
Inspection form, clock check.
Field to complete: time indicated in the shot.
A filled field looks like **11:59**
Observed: **5:24**
